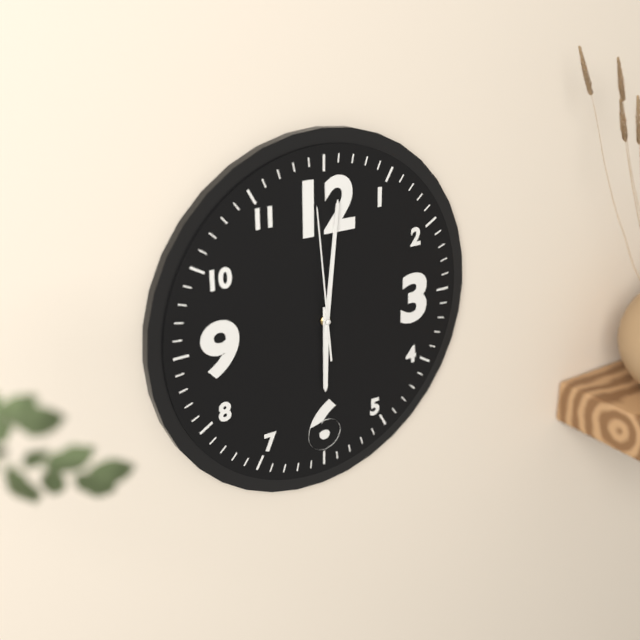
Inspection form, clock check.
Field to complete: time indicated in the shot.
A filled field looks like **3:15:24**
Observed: **6:01:59**
